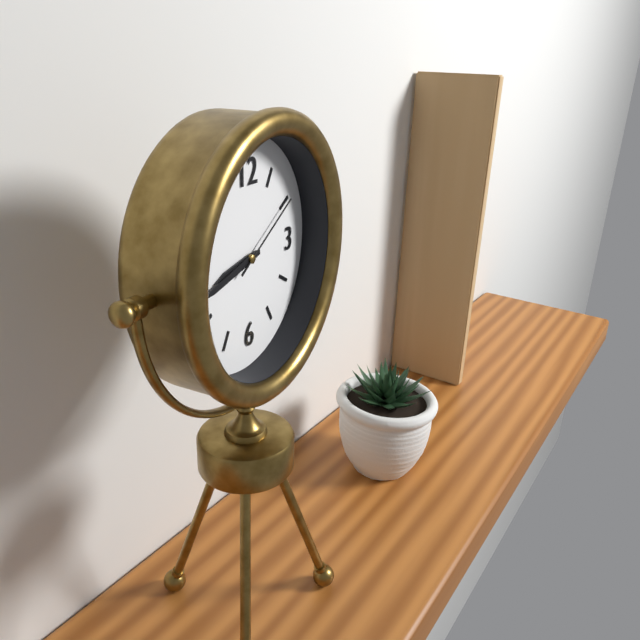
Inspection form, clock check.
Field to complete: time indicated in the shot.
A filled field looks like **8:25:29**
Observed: **8:43:10**
